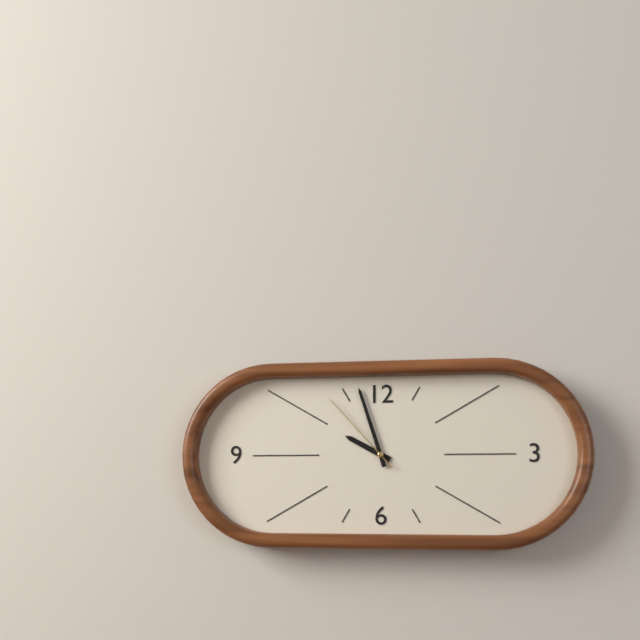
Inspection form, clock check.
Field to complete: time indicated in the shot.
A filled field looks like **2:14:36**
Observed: **9:57:53**
